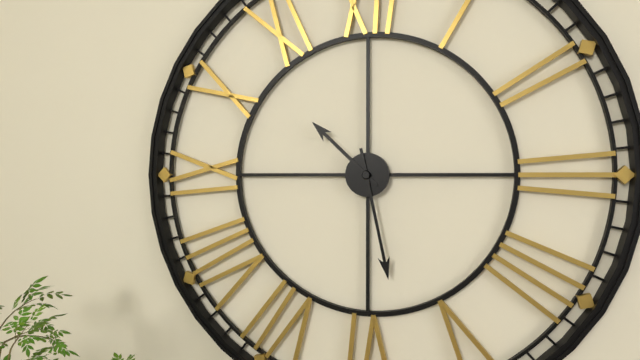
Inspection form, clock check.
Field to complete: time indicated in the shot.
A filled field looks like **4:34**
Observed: **10:28**
